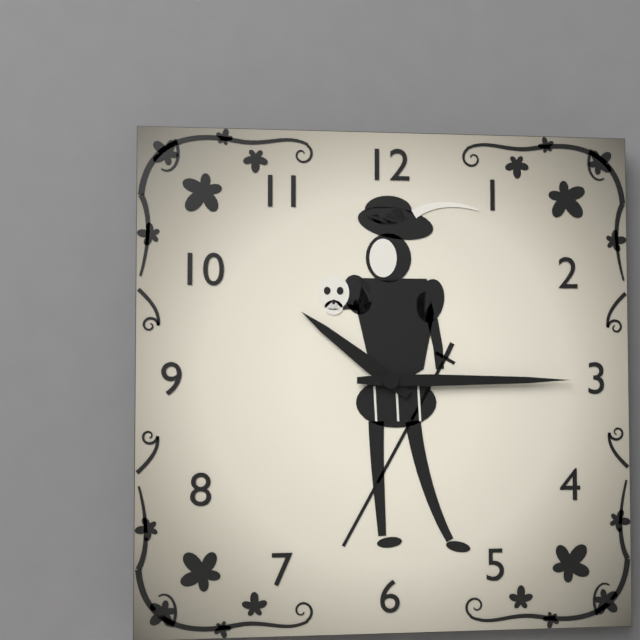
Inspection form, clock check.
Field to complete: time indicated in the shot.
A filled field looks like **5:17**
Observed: **10:15**
